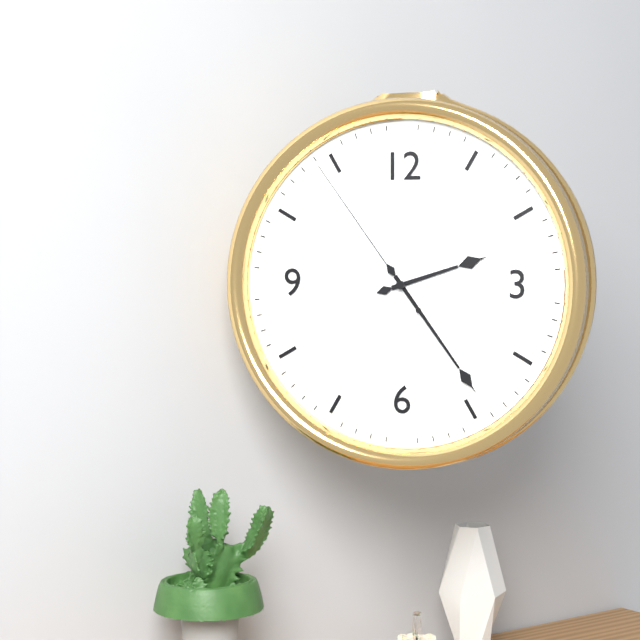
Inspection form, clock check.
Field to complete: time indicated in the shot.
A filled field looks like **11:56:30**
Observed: **2:24:54**
